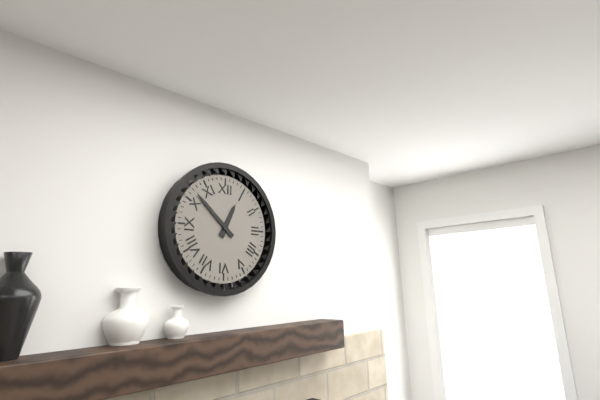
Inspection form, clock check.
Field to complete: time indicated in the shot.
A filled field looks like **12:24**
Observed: **12:52**
